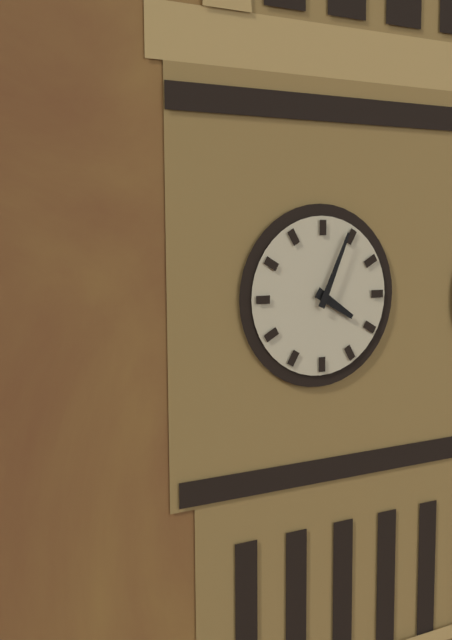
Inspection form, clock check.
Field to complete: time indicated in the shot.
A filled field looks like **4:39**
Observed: **4:04**
